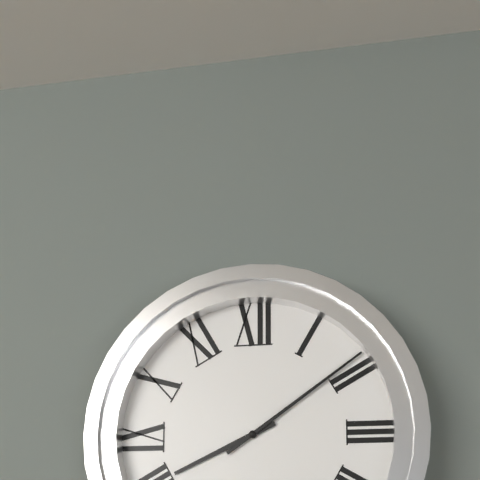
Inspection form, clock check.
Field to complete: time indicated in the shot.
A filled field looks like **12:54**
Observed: **8:09**
